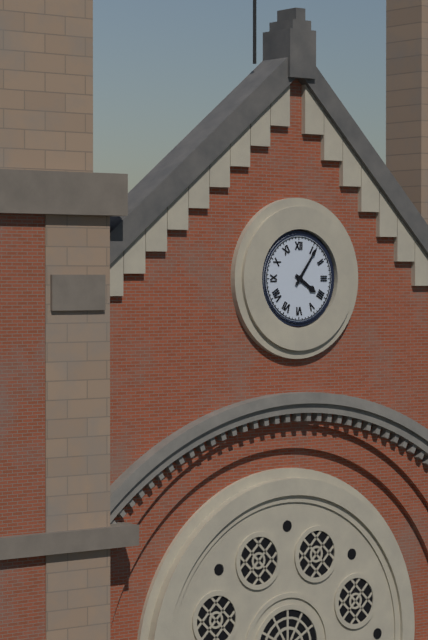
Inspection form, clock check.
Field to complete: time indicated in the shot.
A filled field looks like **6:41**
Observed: **4:06**
